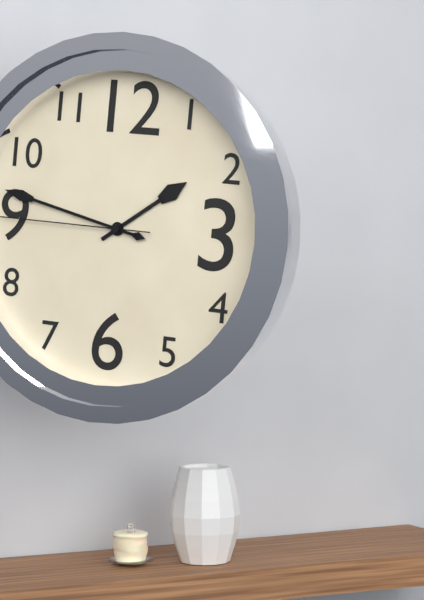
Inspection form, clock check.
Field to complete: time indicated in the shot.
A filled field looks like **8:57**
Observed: **1:47**
